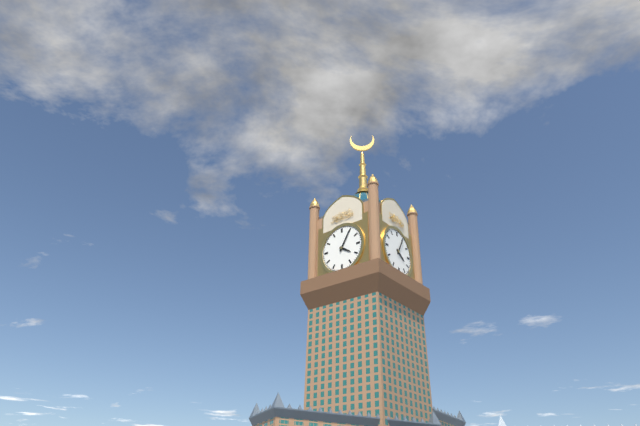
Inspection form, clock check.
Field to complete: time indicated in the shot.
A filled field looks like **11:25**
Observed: **4:05**
